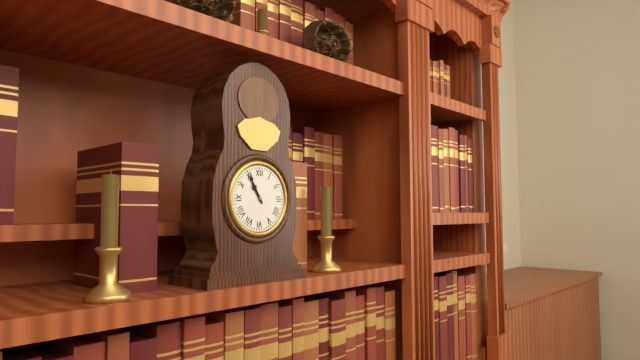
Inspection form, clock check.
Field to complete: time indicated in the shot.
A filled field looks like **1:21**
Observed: **10:55**
